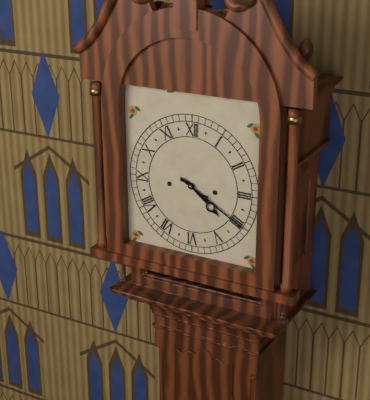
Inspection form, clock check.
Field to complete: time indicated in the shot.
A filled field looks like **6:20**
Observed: **4:20**
